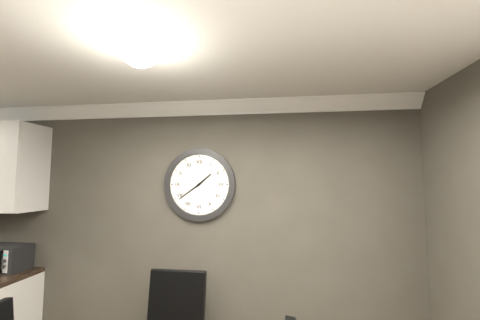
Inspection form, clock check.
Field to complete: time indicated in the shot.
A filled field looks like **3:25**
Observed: **1:39**
